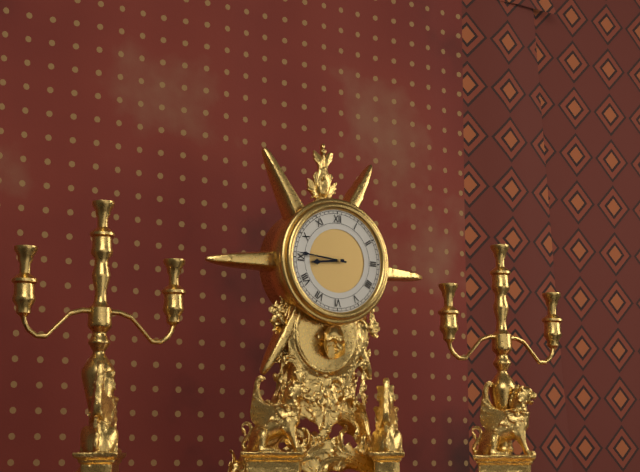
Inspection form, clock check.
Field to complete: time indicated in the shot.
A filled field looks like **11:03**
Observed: **8:46**
